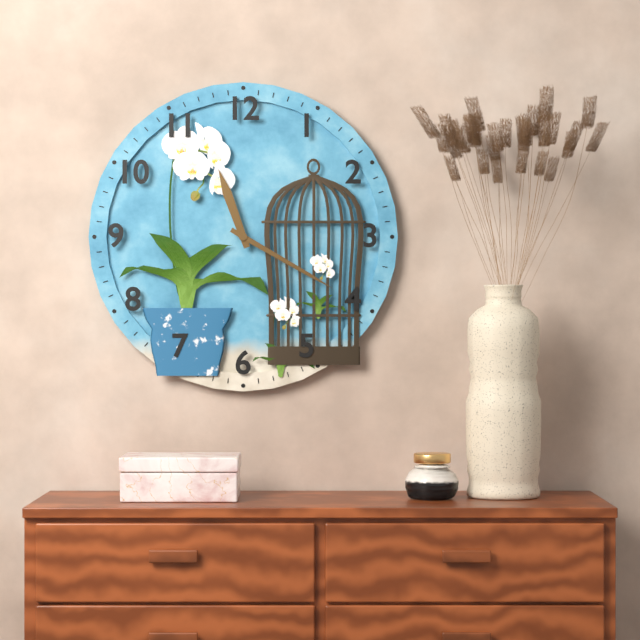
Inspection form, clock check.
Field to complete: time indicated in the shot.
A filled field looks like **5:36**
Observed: **11:20**
